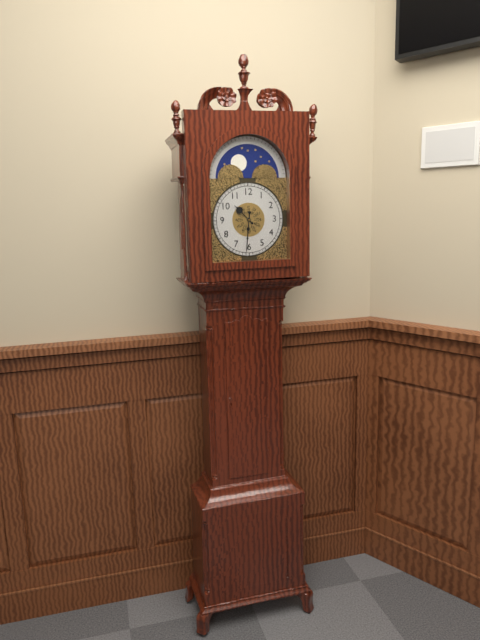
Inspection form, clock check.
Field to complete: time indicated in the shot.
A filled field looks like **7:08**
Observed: **10:31**
